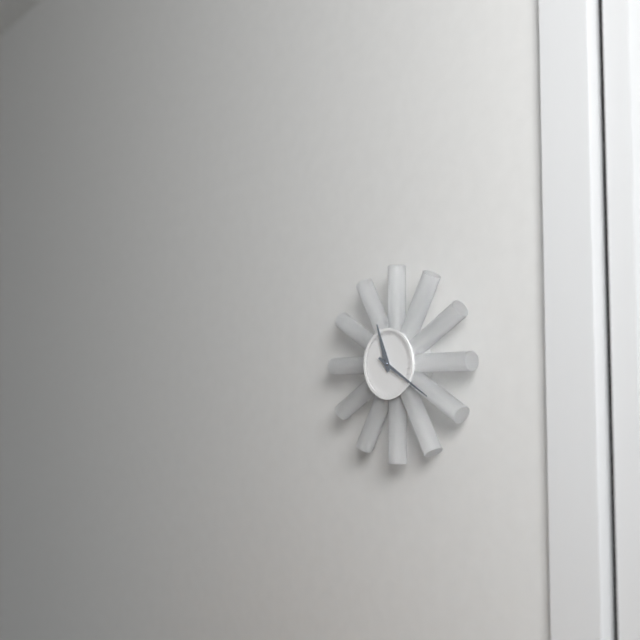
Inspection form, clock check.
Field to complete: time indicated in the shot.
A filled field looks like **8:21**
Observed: **11:20**
